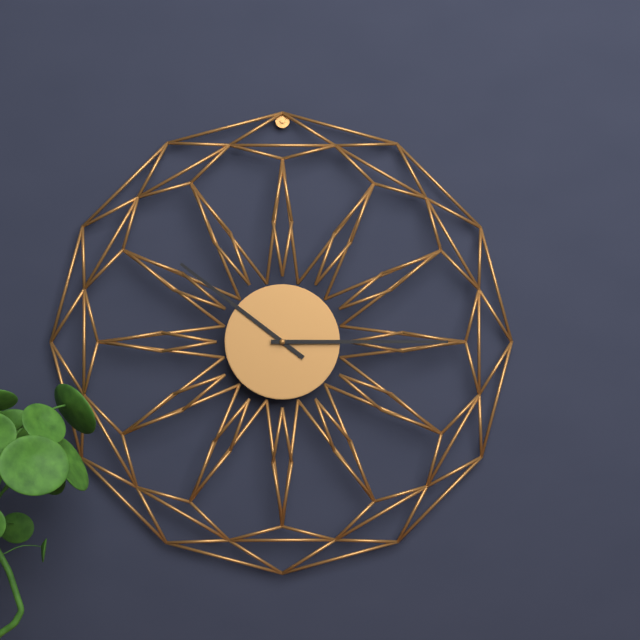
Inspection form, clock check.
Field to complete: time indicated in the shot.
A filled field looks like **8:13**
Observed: **10:15**
